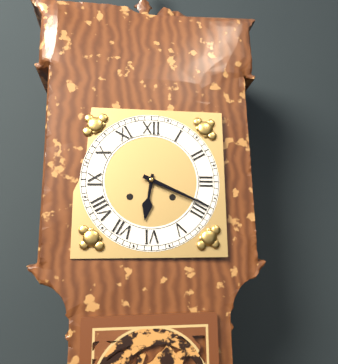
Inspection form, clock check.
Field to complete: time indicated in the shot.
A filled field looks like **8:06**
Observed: **6:19**
